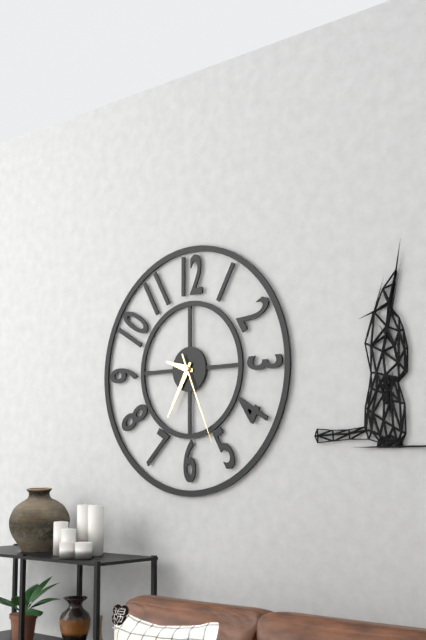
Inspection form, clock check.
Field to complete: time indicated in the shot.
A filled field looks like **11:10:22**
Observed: **9:35:26**
